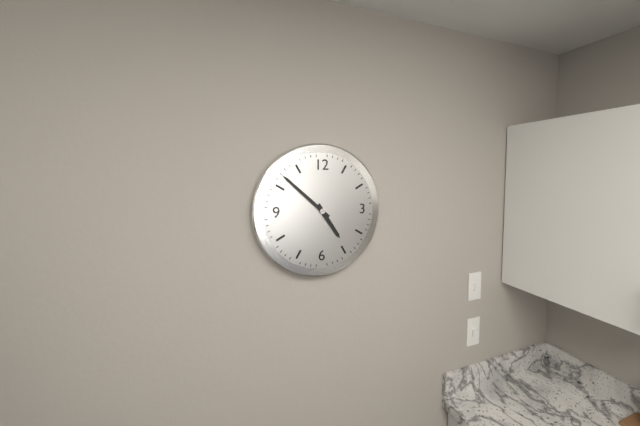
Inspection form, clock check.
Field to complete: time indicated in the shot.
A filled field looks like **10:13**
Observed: **4:52**
